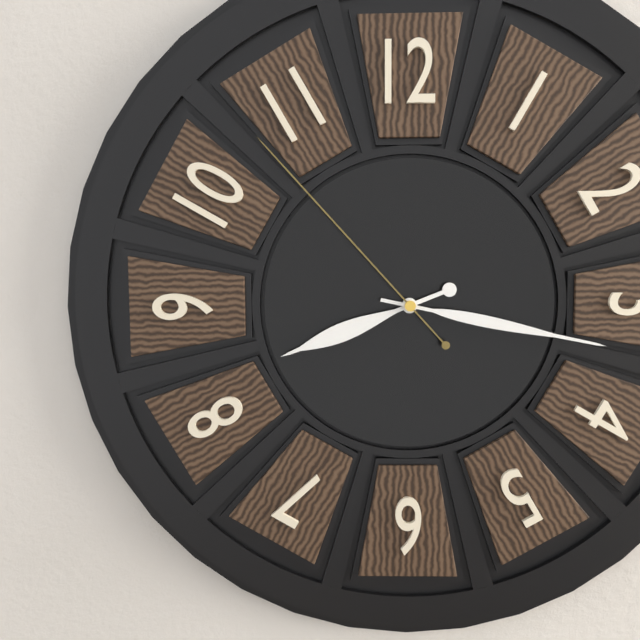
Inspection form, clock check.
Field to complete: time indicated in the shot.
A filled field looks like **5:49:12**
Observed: **8:17:53**
